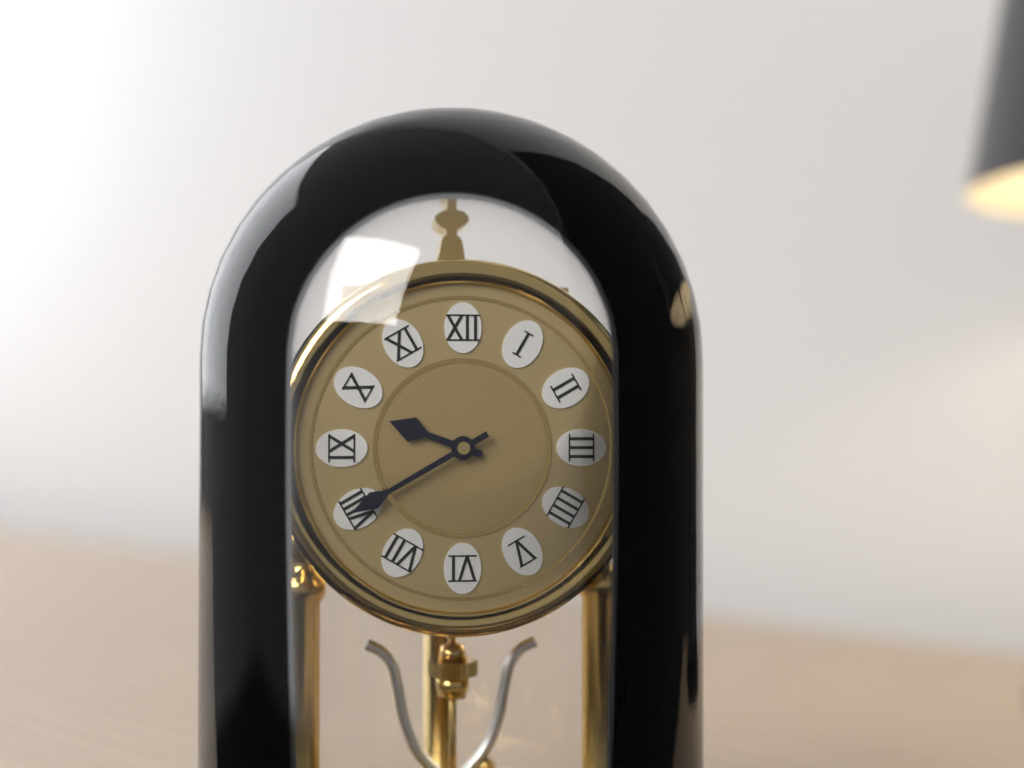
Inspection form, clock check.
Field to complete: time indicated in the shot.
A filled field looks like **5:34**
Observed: **9:40**
